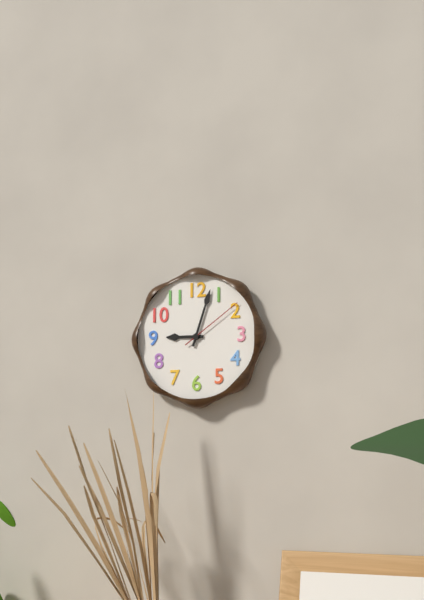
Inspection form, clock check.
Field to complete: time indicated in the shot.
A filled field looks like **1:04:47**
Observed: **9:03:09**
